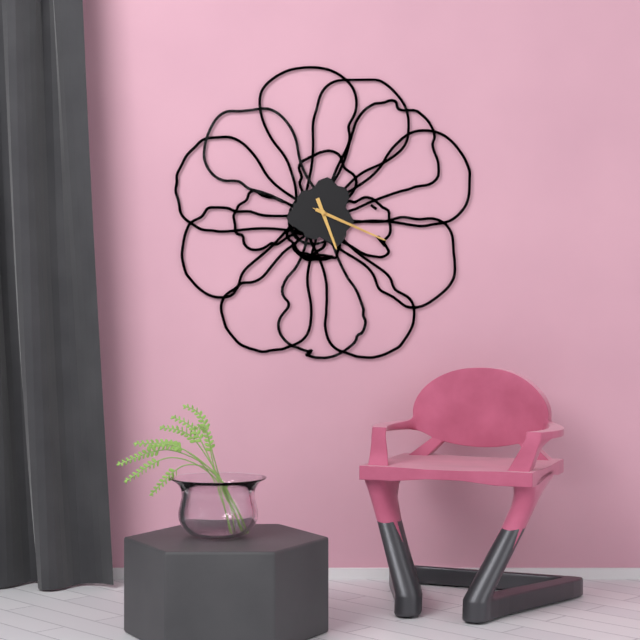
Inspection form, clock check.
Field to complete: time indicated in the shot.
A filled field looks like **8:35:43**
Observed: **5:19:19**
